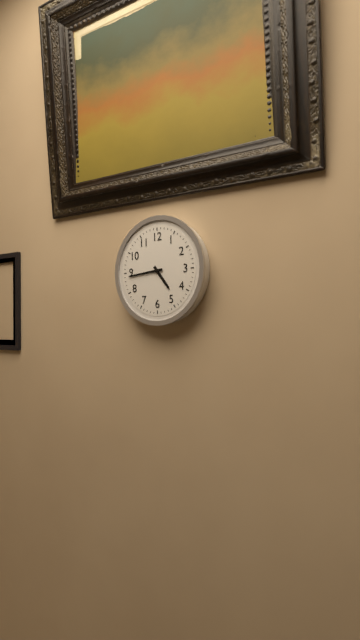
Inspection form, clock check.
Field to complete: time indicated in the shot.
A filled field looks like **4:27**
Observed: **4:44**
